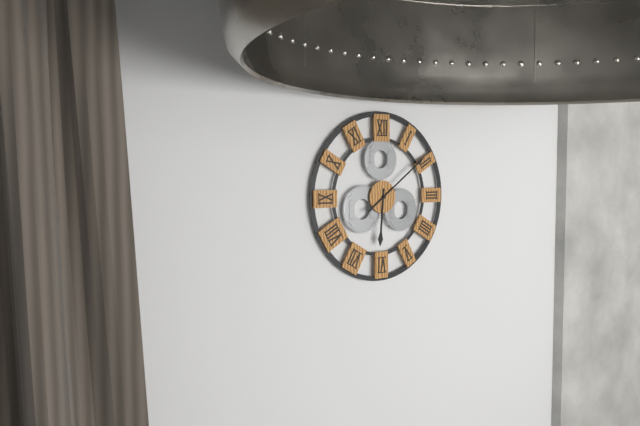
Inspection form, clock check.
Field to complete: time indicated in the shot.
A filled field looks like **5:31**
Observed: **6:09**
